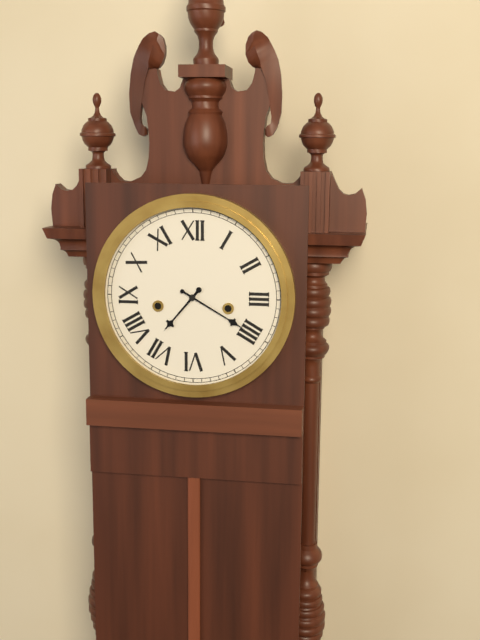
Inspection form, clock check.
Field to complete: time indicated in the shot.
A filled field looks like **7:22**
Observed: **7:20**
